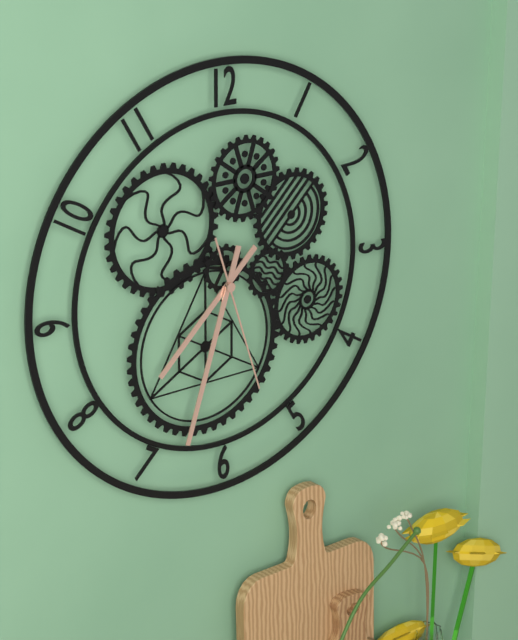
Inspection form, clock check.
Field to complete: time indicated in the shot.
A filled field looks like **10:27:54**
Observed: **7:33:27**
